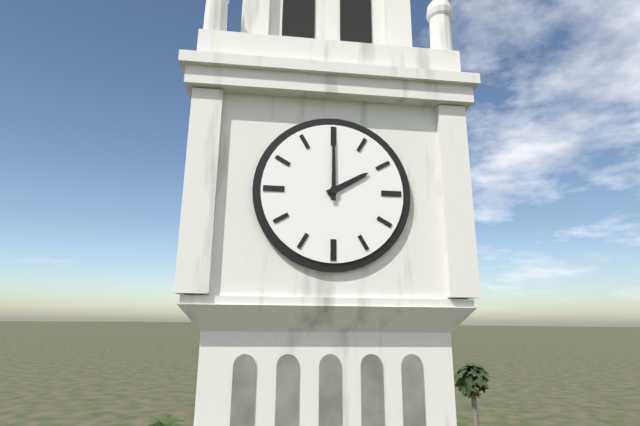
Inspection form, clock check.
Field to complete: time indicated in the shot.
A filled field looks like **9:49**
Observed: **2:00**
